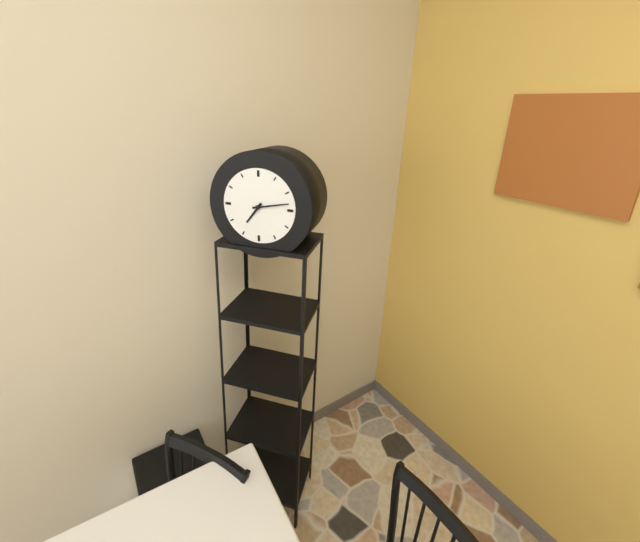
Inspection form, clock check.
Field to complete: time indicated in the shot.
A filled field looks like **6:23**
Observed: **7:13**
